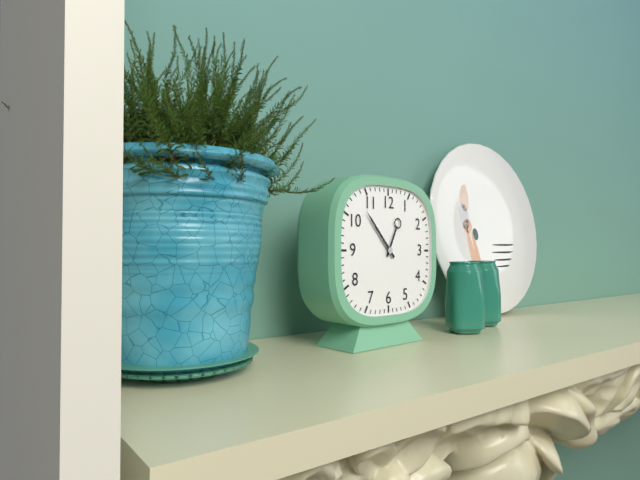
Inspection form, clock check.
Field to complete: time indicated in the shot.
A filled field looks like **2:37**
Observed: **12:53**
